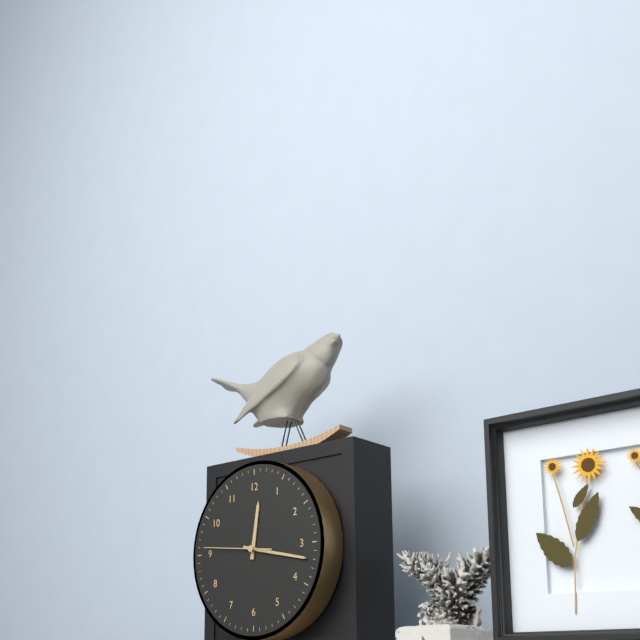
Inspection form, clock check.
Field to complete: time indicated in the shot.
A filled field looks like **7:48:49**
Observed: **12:17:46**
